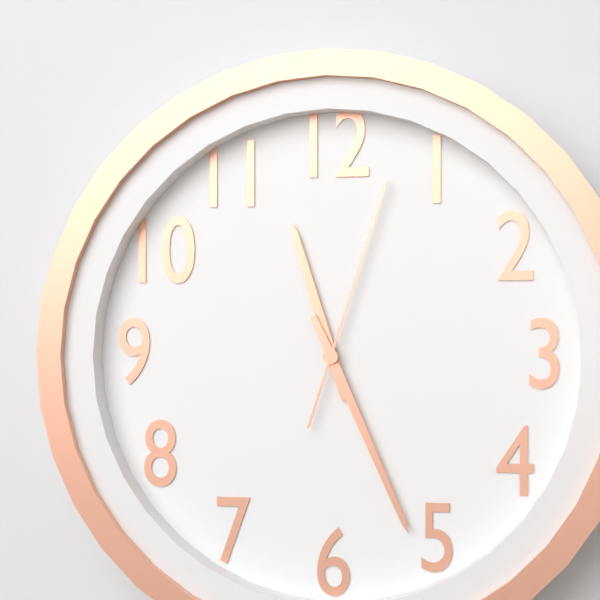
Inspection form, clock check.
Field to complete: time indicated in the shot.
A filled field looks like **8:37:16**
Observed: **11:26:03**
